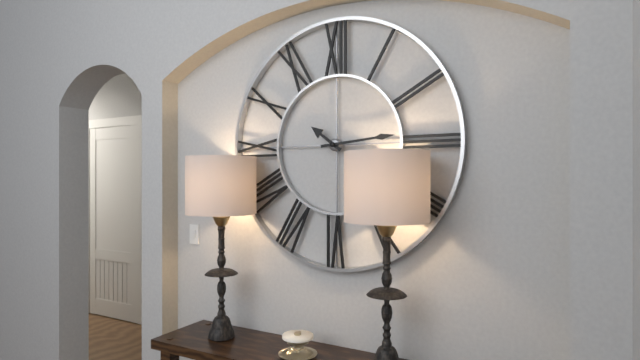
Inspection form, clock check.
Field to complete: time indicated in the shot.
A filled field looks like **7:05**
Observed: **10:14**
